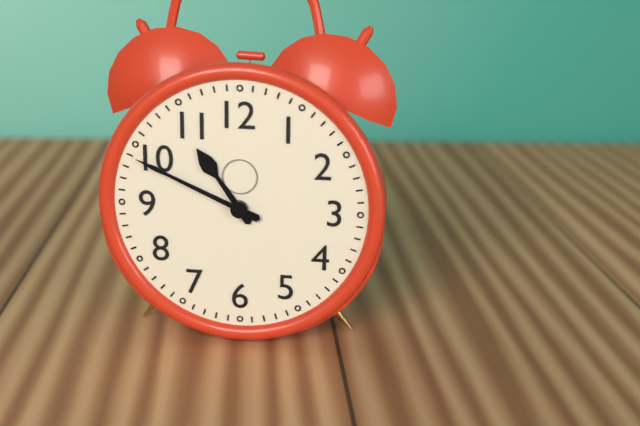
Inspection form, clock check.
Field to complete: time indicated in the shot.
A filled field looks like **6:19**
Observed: **10:49**
